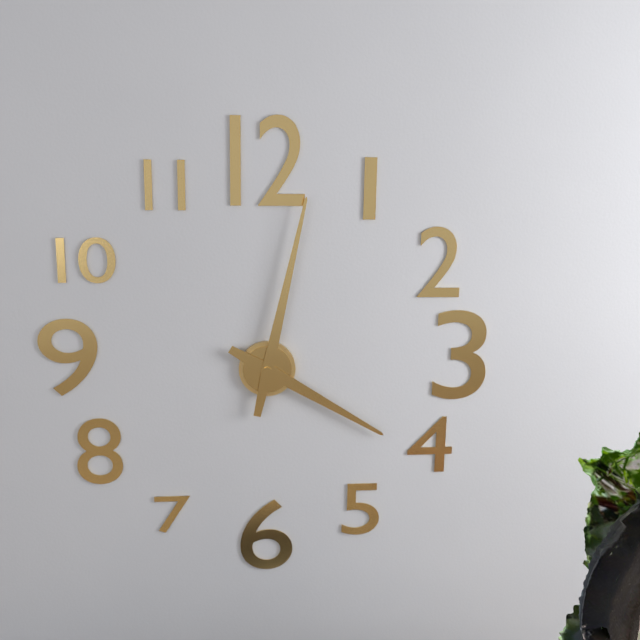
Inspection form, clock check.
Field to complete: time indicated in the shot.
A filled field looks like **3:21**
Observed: **4:02**
